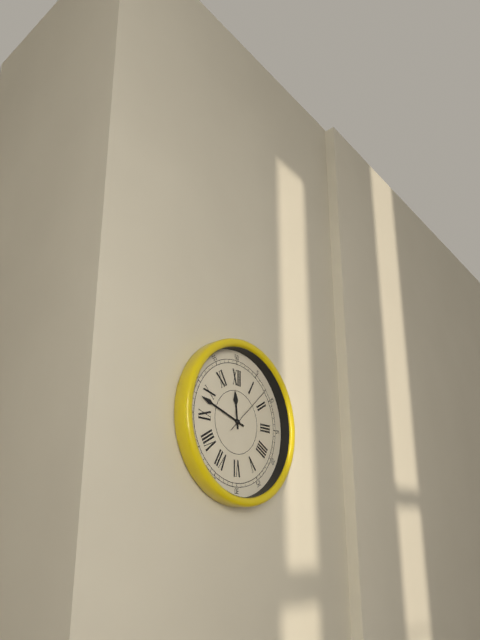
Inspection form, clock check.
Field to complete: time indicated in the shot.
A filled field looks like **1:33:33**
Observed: **11:48:08**
